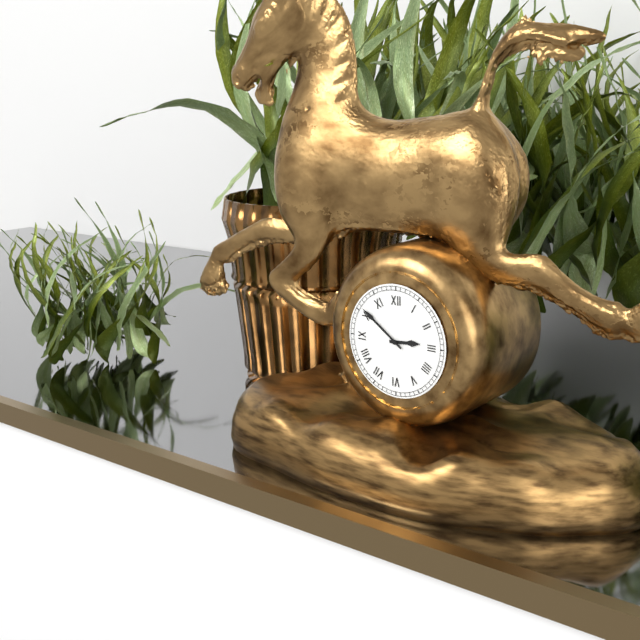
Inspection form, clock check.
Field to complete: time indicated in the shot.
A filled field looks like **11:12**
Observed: **2:51**
